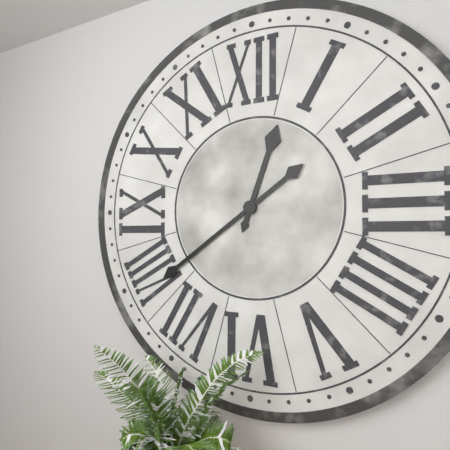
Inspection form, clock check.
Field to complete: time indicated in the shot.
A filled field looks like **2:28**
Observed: **12:39**
